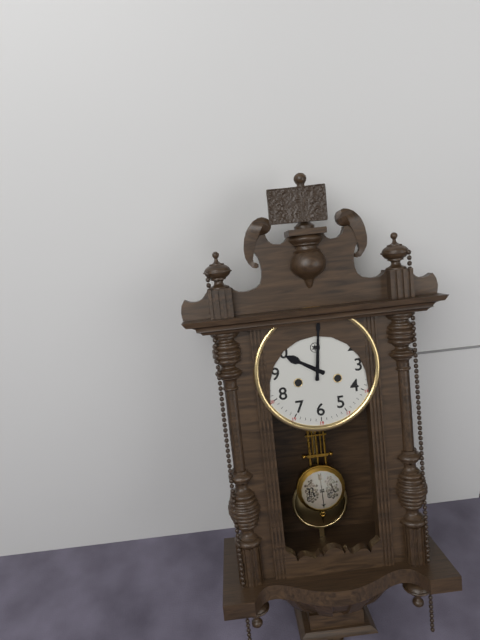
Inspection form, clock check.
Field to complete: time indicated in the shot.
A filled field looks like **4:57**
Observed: **10:01**
